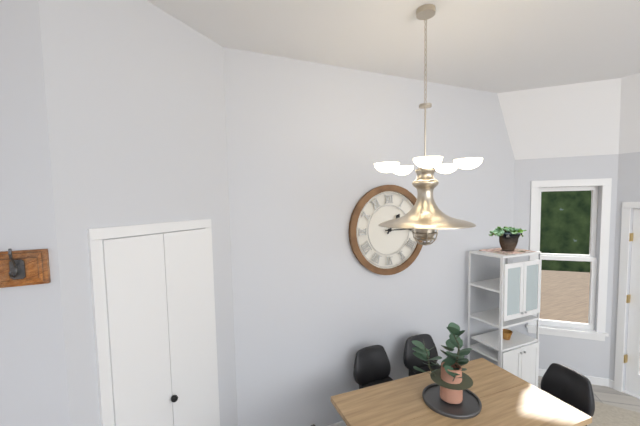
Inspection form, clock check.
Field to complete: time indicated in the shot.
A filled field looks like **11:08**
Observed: **1:15**
